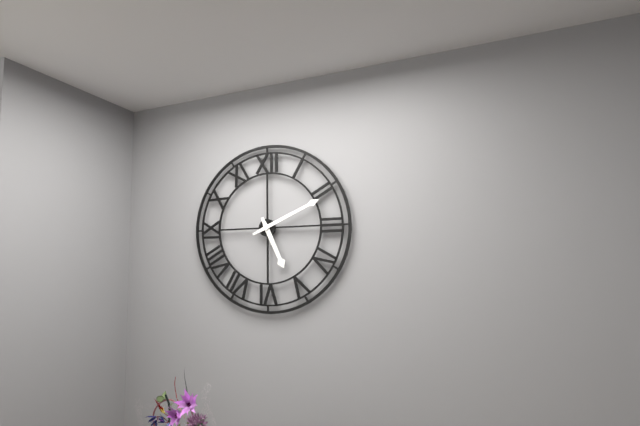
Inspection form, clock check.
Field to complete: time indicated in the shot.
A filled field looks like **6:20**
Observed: **5:11**
